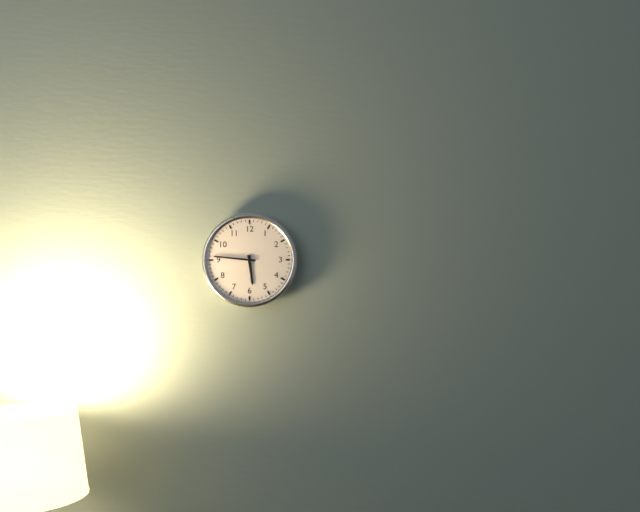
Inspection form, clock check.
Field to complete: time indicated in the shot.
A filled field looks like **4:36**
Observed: **5:46**
